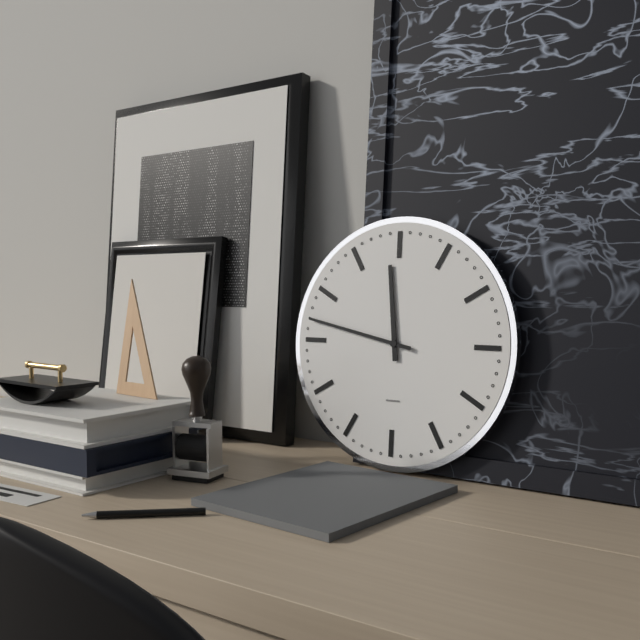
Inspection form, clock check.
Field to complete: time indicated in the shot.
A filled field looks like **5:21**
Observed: **11:47**
